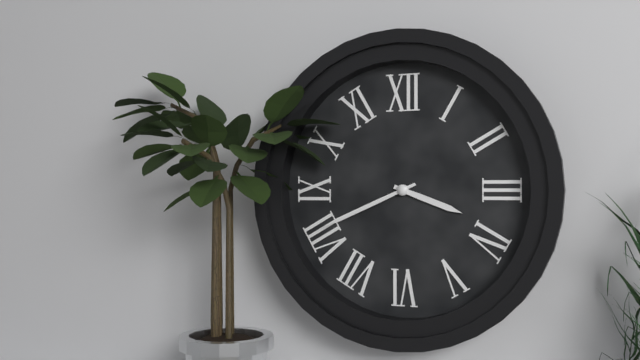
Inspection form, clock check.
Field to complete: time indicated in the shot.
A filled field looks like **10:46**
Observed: **3:41**
